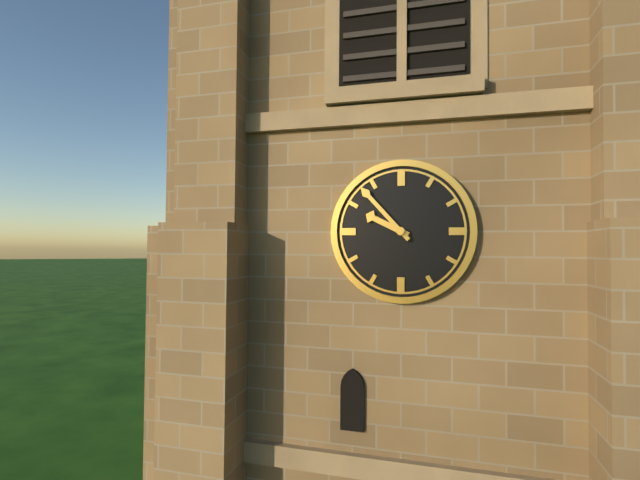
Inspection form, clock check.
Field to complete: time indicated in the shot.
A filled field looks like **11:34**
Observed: **9:53**
